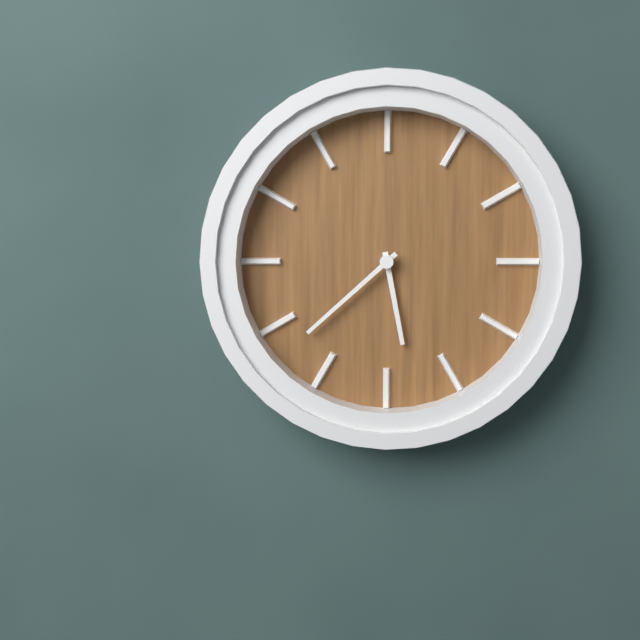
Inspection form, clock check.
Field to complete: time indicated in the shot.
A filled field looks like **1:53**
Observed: **5:38**
